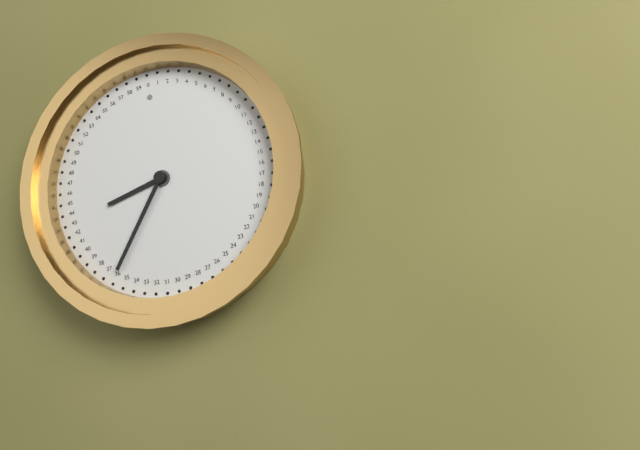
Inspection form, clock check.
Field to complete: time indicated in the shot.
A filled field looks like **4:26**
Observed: **8:36**
